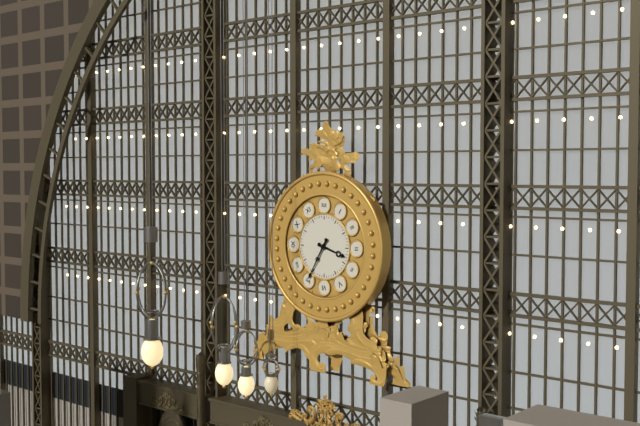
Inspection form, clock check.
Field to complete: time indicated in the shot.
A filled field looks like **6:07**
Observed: **3:35**
